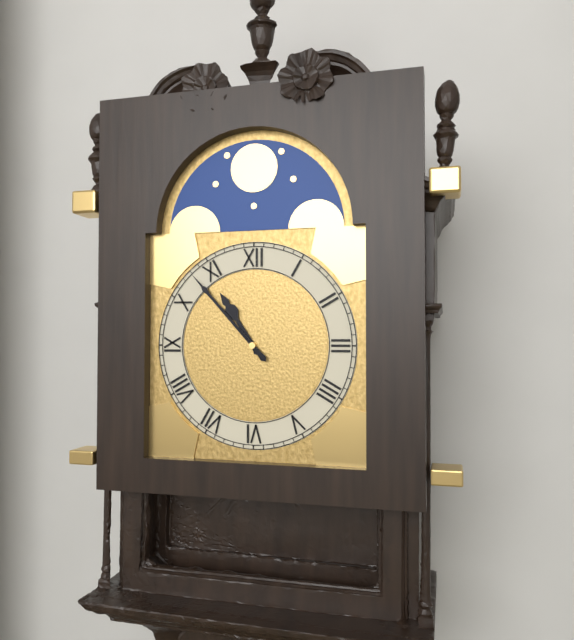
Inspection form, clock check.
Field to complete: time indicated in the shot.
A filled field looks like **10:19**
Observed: **10:53**
